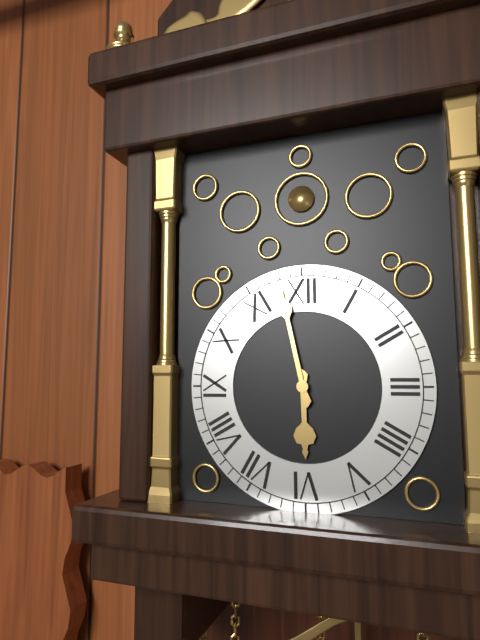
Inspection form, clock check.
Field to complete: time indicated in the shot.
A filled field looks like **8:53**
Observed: **5:58**
